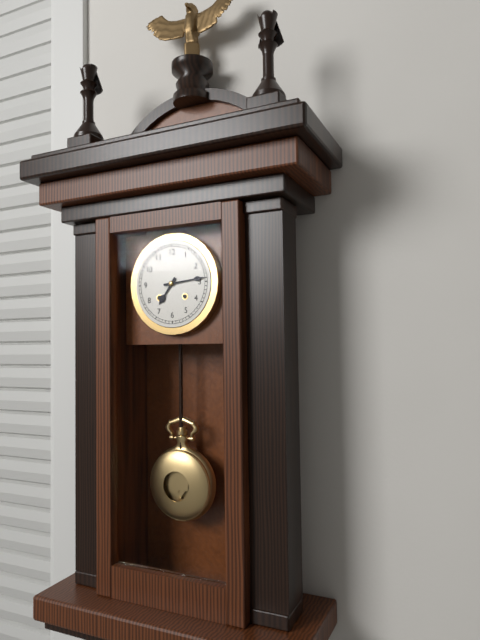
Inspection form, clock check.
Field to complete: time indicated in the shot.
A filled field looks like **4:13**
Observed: **7:14**
